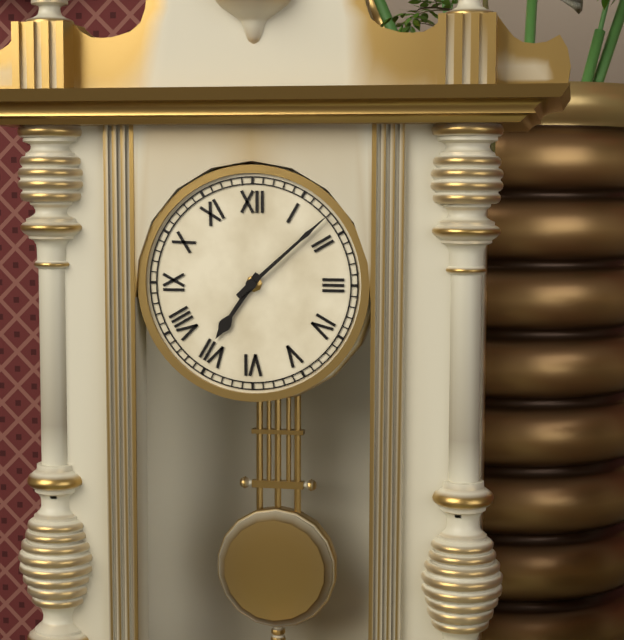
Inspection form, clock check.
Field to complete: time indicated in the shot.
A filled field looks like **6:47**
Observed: **7:08**
